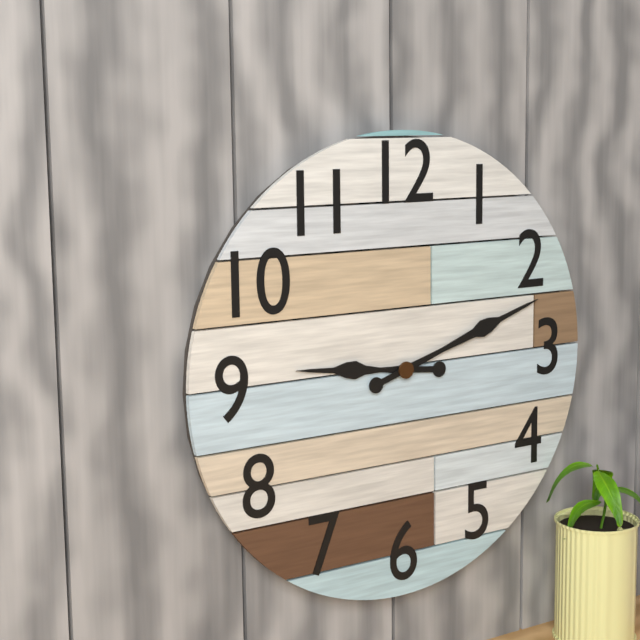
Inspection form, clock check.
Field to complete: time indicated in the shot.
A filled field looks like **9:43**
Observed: **9:12**
